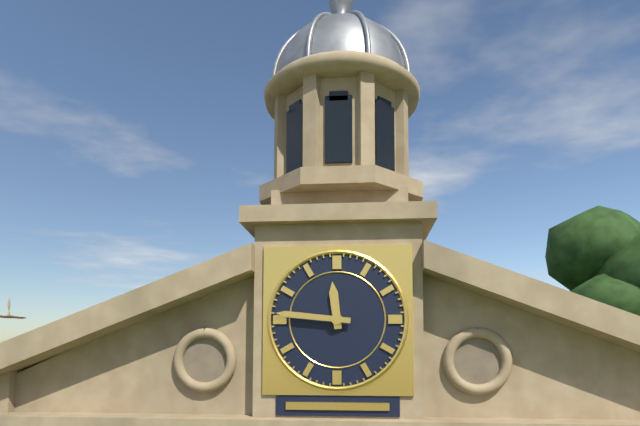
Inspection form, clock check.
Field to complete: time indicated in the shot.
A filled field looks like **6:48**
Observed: **11:46**
